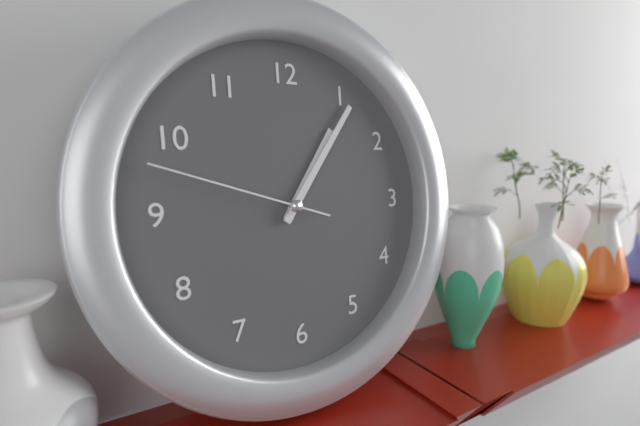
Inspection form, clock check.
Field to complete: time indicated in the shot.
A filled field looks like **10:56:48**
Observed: **1:06:48**
